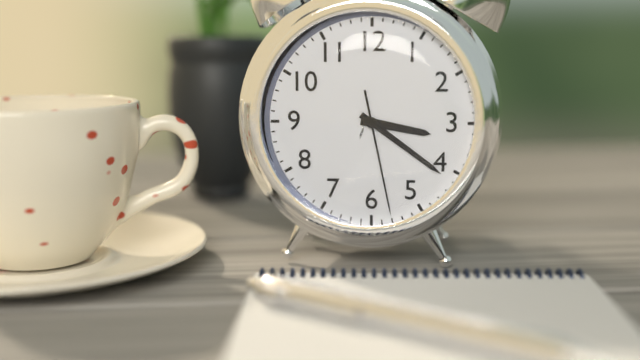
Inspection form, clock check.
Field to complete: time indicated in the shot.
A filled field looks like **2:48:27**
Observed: **3:21:28**
